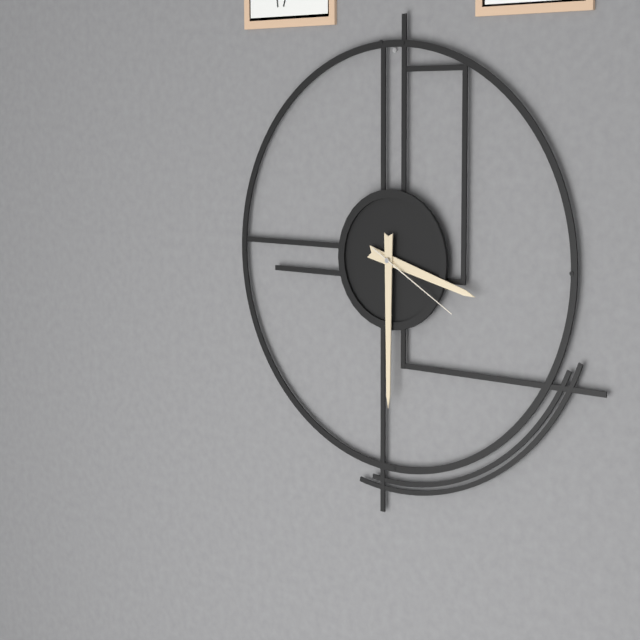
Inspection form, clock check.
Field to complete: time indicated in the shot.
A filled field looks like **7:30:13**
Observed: **3:30:20**
